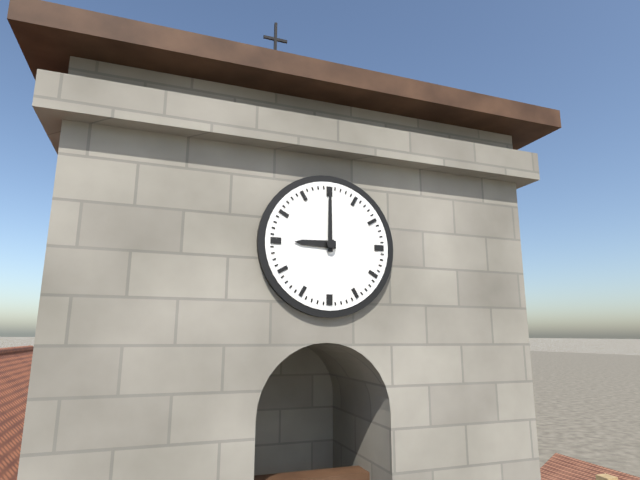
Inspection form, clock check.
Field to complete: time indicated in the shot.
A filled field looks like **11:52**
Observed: **9:00**
